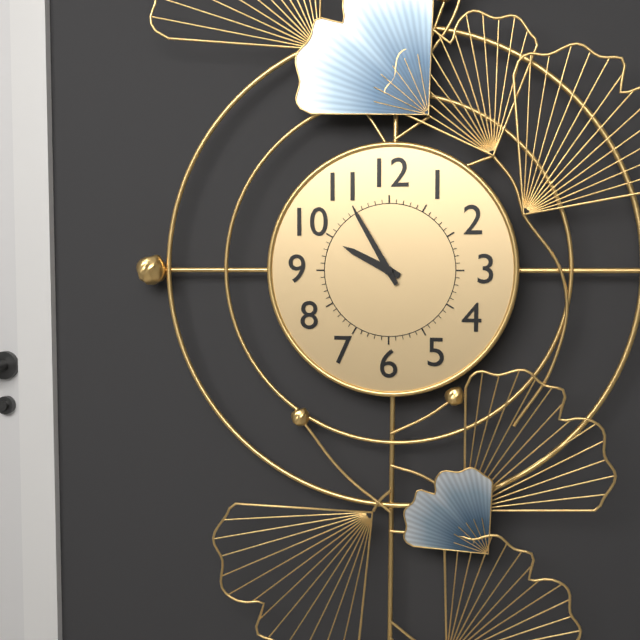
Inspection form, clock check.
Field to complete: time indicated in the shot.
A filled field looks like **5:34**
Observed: **9:55**
